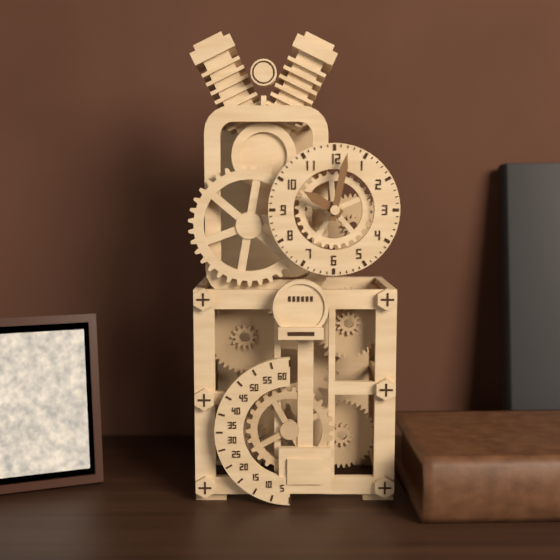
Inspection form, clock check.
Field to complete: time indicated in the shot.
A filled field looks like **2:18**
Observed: **10:02**
